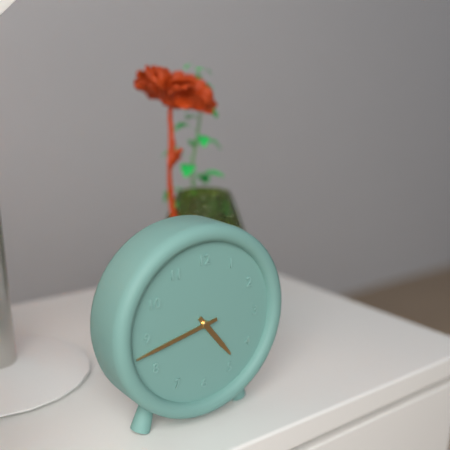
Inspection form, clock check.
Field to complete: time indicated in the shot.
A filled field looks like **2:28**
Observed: **4:43**
